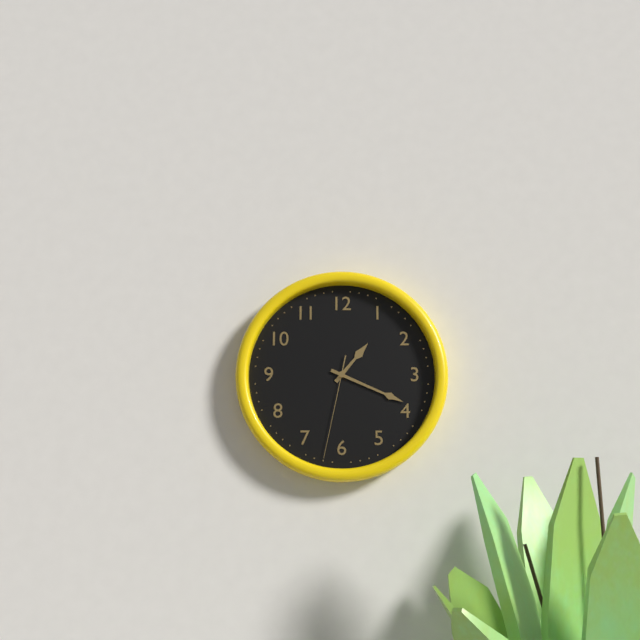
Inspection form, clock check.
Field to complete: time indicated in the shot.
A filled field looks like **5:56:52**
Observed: **1:19:32**
